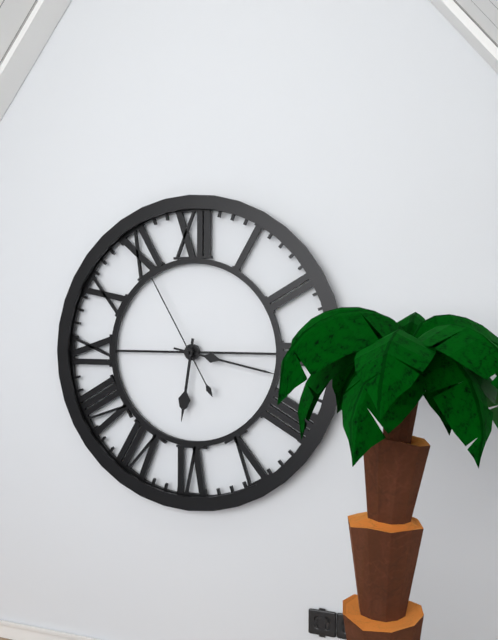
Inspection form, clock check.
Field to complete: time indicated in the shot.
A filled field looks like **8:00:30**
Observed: **6:17:55**
